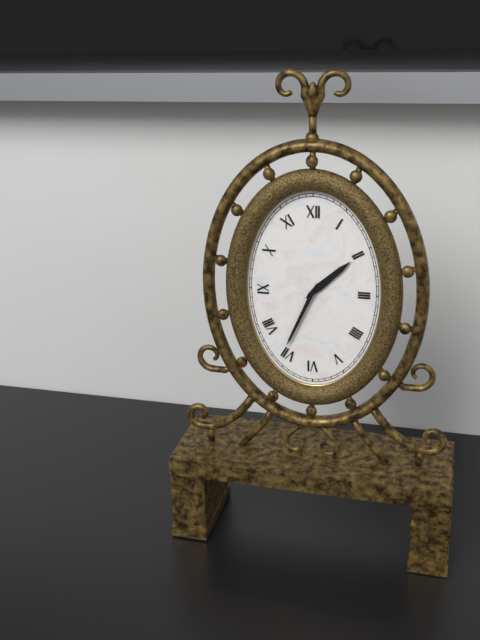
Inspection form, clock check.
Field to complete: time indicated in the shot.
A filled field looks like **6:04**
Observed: **1:34**
